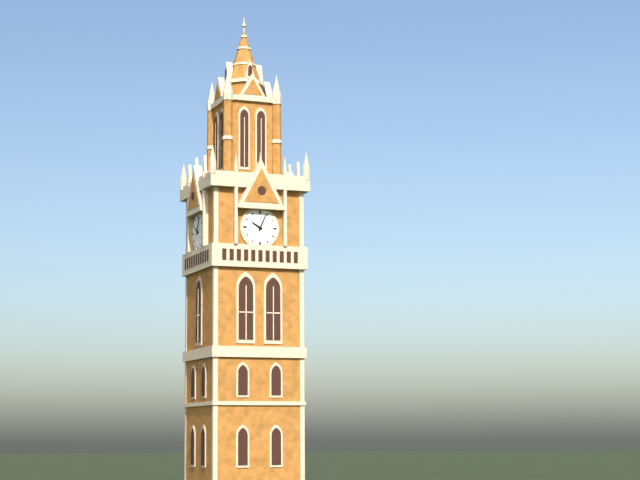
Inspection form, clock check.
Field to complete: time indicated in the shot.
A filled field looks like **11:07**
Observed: **10:04**
